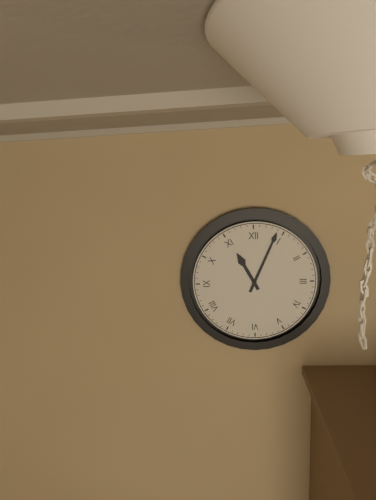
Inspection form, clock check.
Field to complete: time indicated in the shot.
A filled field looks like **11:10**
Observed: **11:04**
